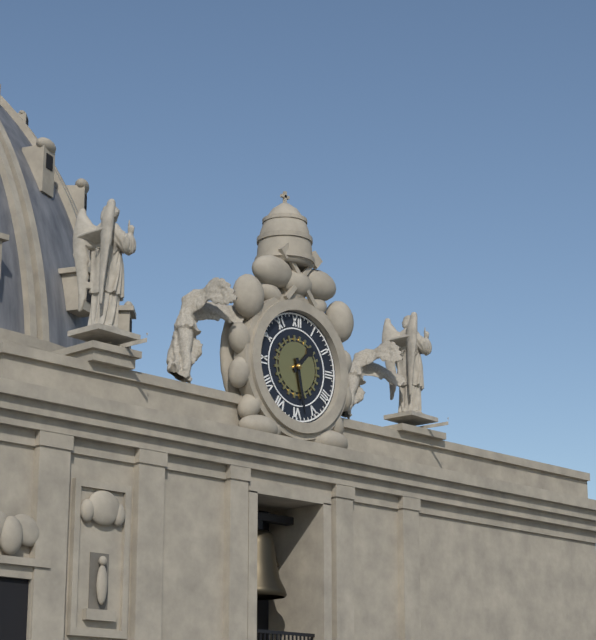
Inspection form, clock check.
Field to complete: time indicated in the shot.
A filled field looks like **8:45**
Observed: **1:28**
